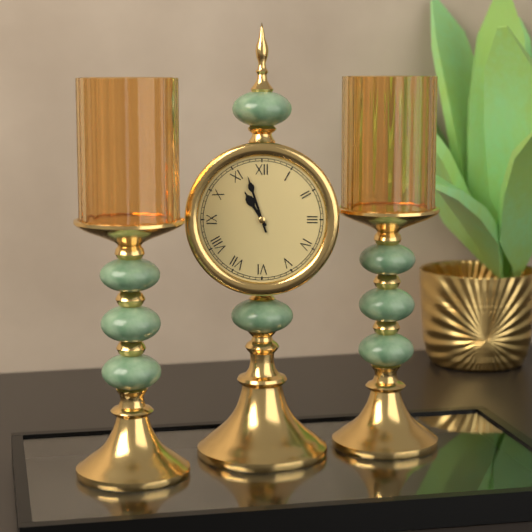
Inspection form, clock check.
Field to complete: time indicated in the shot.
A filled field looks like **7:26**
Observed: **10:57**
